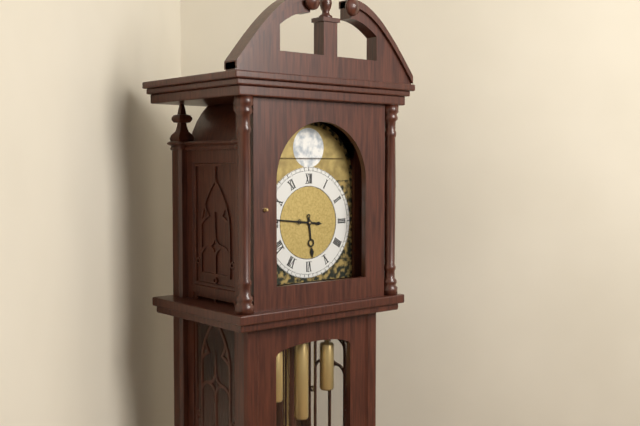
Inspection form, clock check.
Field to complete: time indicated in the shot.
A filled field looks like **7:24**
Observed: **5:46**
